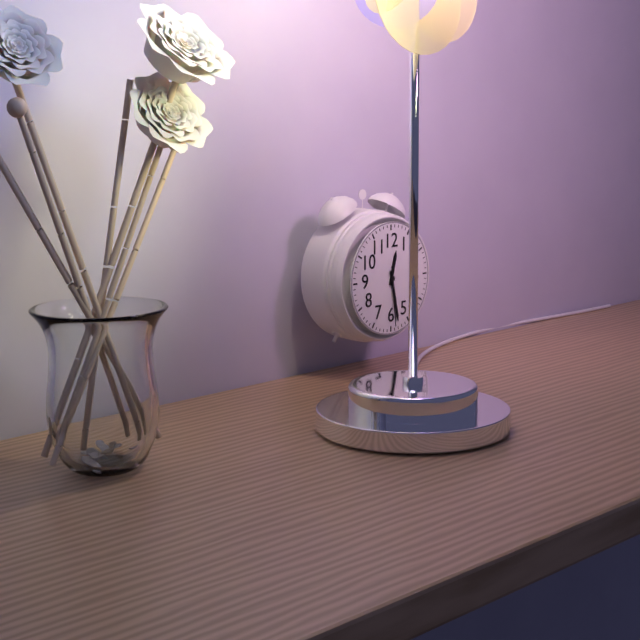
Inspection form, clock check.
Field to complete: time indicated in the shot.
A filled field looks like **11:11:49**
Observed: **12:28:29**
